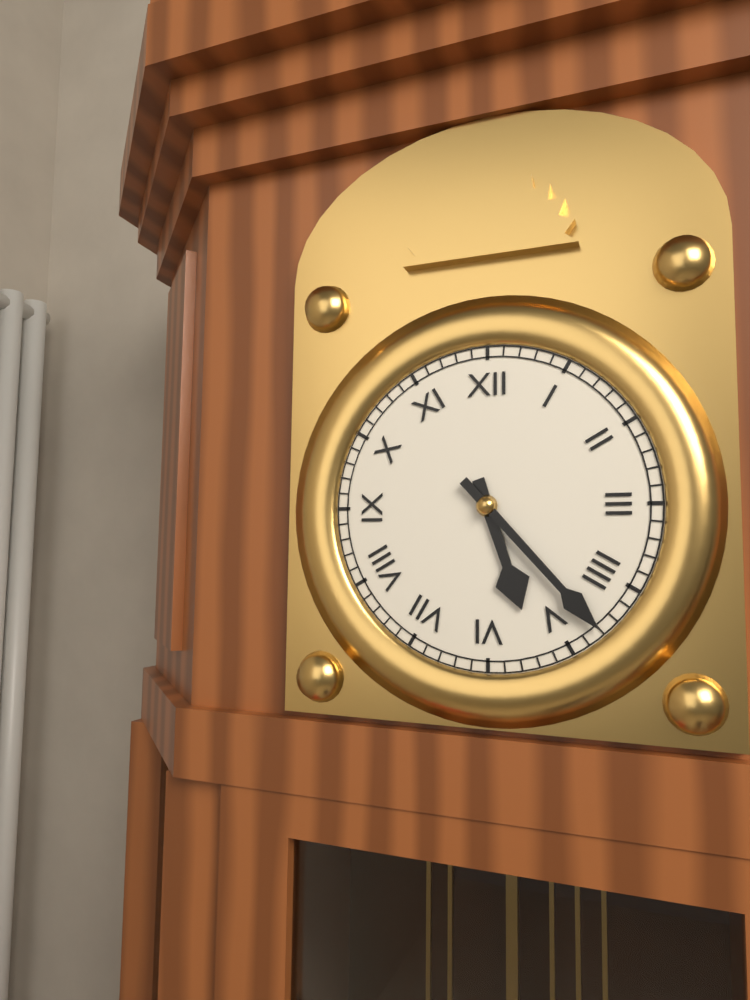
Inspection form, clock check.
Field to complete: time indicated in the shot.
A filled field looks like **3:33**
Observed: **5:23**
